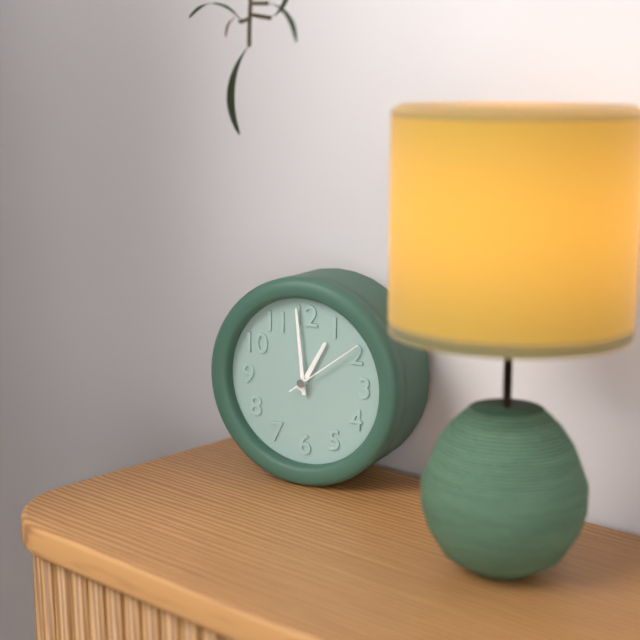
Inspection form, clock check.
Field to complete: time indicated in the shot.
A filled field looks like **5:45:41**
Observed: **12:59:09**
